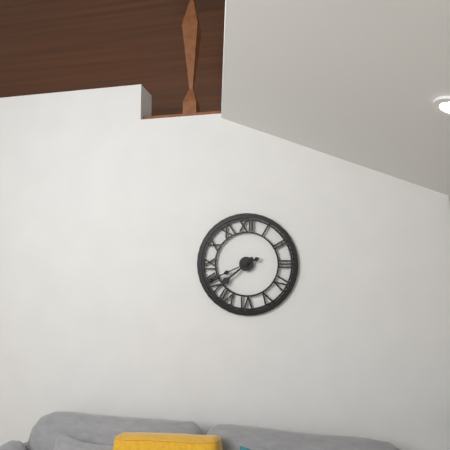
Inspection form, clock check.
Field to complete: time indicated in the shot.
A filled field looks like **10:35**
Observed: **7:41**
